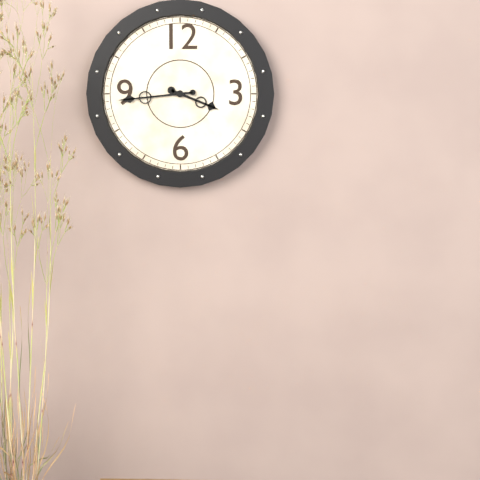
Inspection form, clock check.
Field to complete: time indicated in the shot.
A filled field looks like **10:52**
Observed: **3:44**
